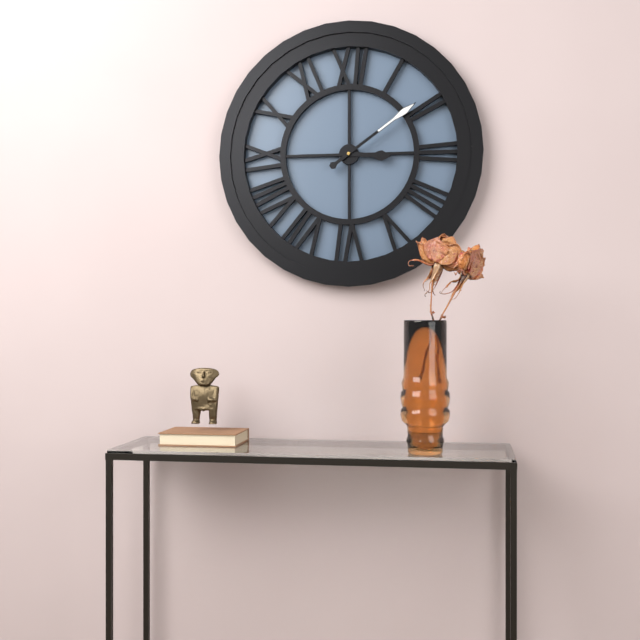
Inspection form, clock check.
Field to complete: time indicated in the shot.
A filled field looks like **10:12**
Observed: **3:09**
